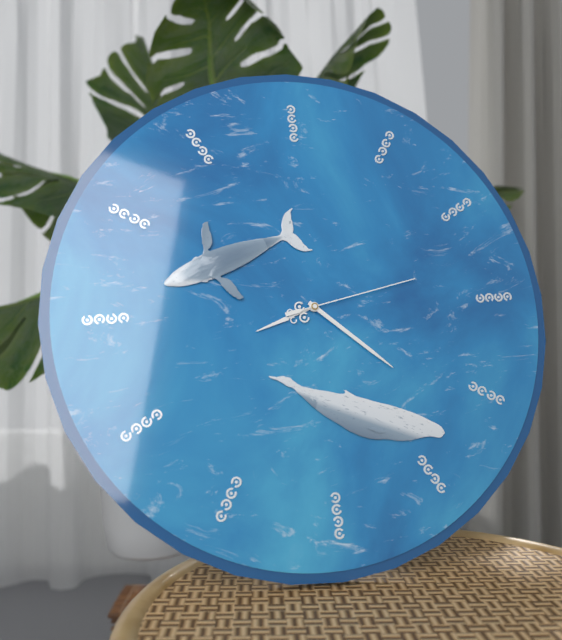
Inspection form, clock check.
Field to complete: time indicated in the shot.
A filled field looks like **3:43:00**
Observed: **8:22:13**
